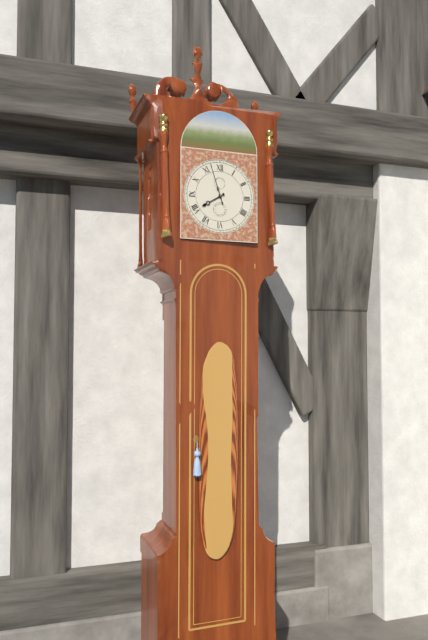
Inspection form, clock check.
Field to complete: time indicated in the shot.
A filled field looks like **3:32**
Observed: **7:57**
